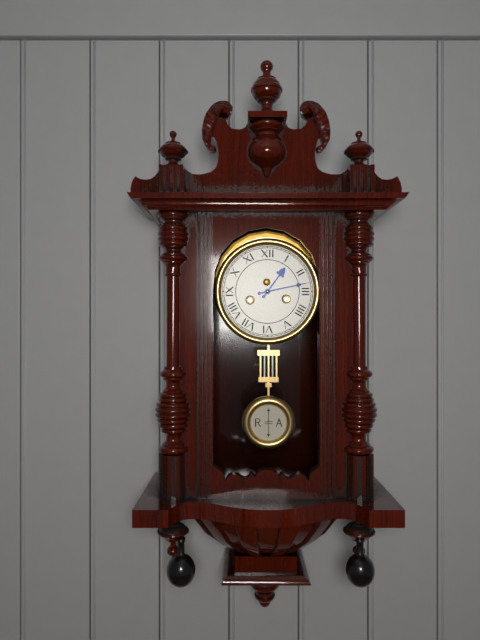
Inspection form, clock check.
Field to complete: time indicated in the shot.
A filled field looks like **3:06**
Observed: **1:13**
